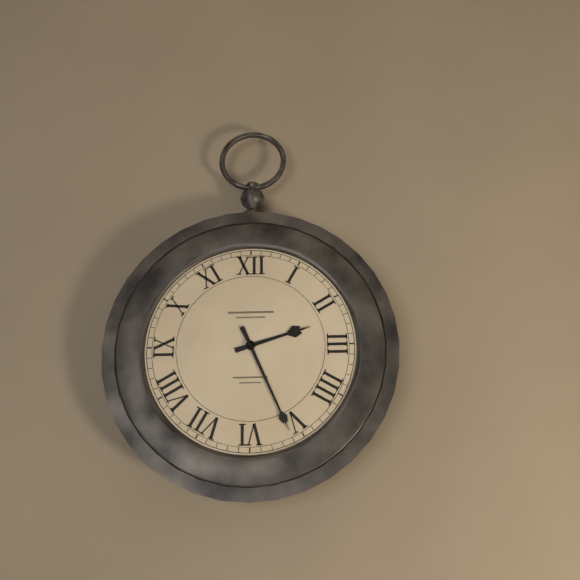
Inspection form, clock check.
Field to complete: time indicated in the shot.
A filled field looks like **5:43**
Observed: **2:26**
